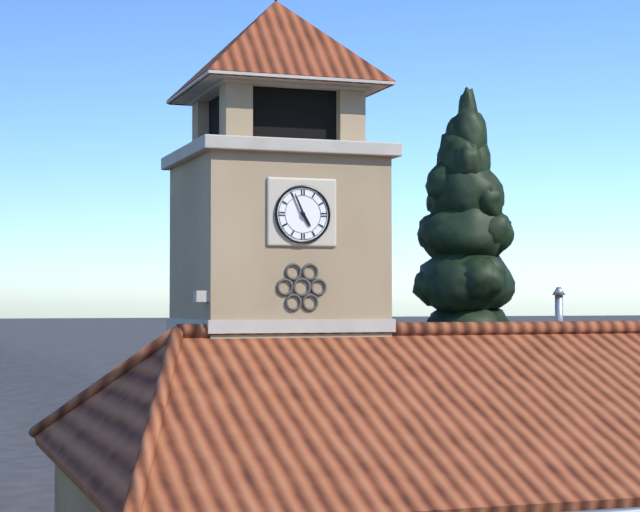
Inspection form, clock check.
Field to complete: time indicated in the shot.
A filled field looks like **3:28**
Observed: **4:56**
